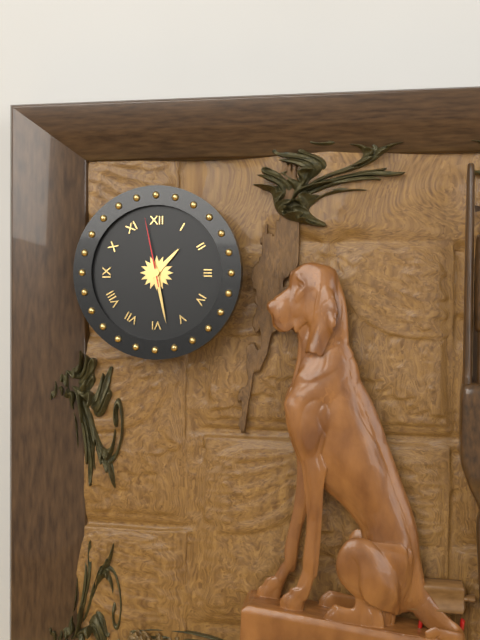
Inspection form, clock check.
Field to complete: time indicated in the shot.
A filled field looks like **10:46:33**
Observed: **1:28:58**
